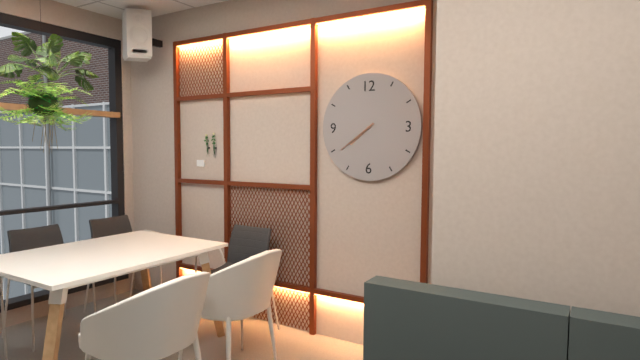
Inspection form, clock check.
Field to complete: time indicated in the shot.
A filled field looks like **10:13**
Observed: **7:39**
